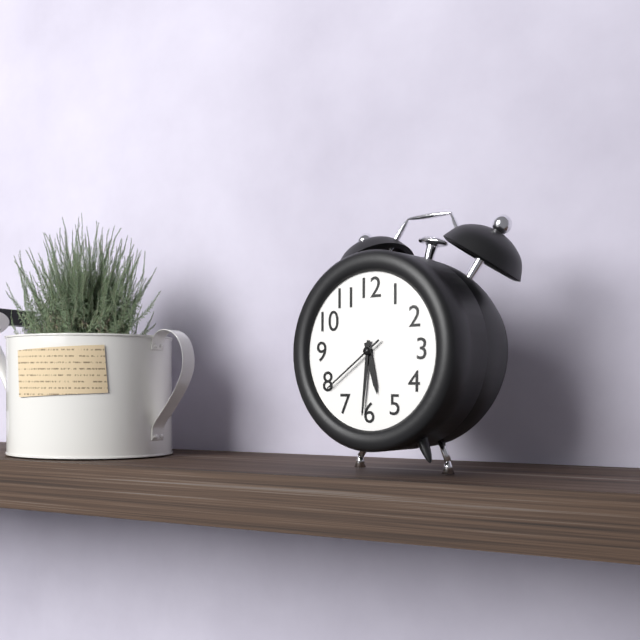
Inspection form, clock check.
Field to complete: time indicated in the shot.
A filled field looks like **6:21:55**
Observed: **5:31:39**
